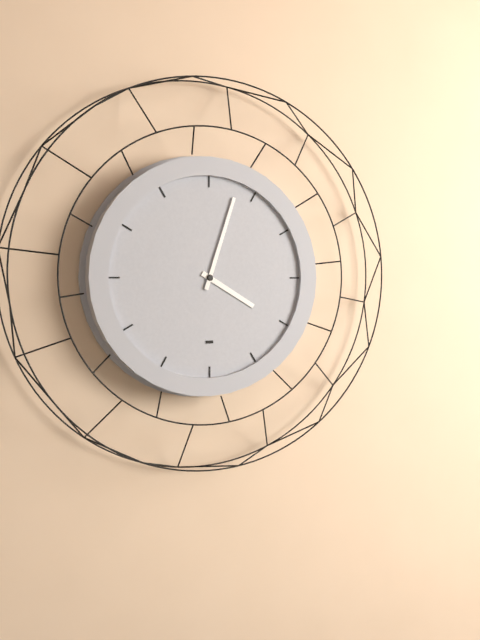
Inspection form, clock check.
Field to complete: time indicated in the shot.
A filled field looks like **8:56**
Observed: **4:03**
